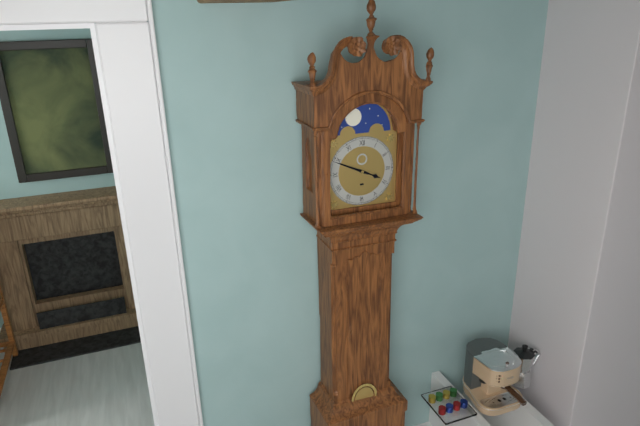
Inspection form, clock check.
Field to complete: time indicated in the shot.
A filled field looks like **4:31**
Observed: **3:49**
